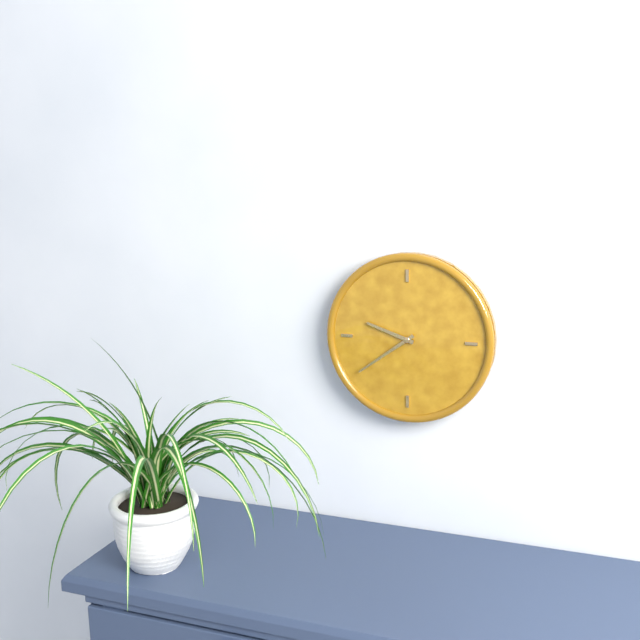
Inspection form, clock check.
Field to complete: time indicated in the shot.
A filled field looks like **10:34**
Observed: **9:39**
